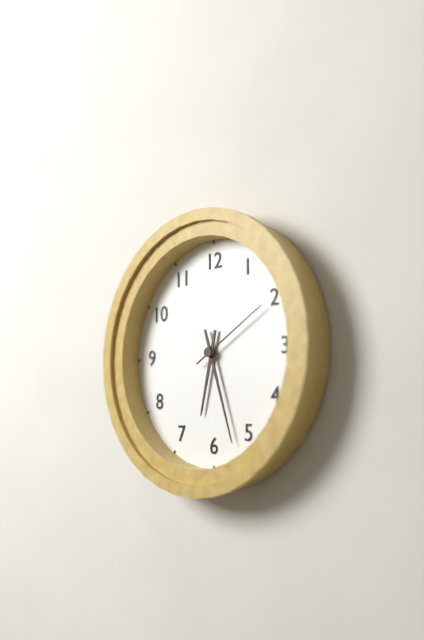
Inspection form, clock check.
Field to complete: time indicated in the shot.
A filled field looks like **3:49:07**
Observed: **6:27:10**
